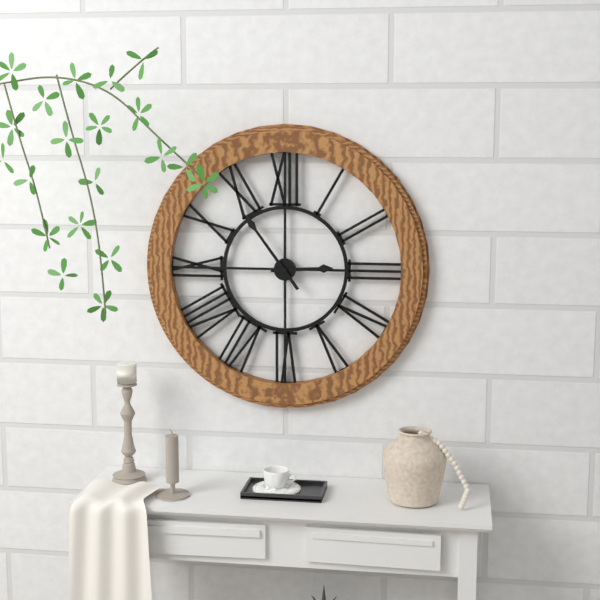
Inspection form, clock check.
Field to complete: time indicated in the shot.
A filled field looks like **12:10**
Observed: **2:54**
